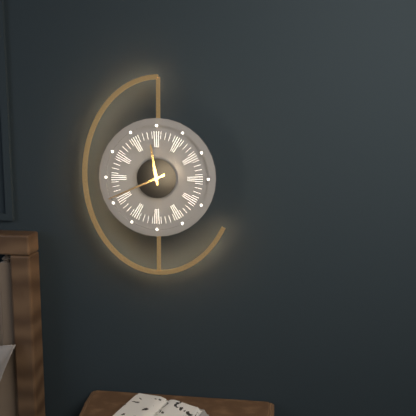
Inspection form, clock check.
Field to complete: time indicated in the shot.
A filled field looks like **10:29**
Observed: **11:41**
